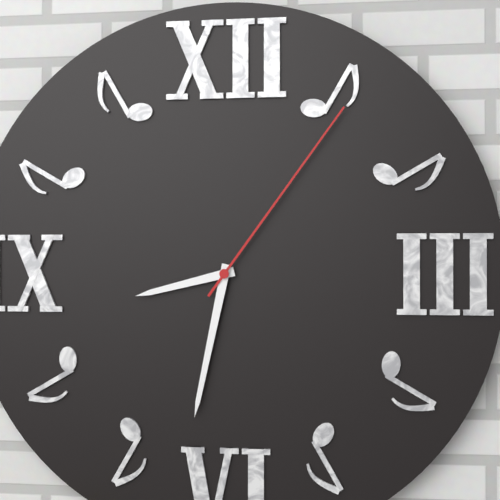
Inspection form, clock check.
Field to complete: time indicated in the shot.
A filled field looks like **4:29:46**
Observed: **8:32:06**
